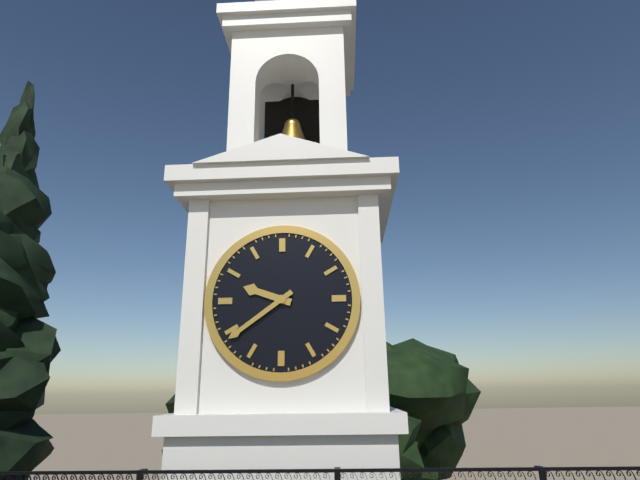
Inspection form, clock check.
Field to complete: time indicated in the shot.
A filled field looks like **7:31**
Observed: **9:39**
